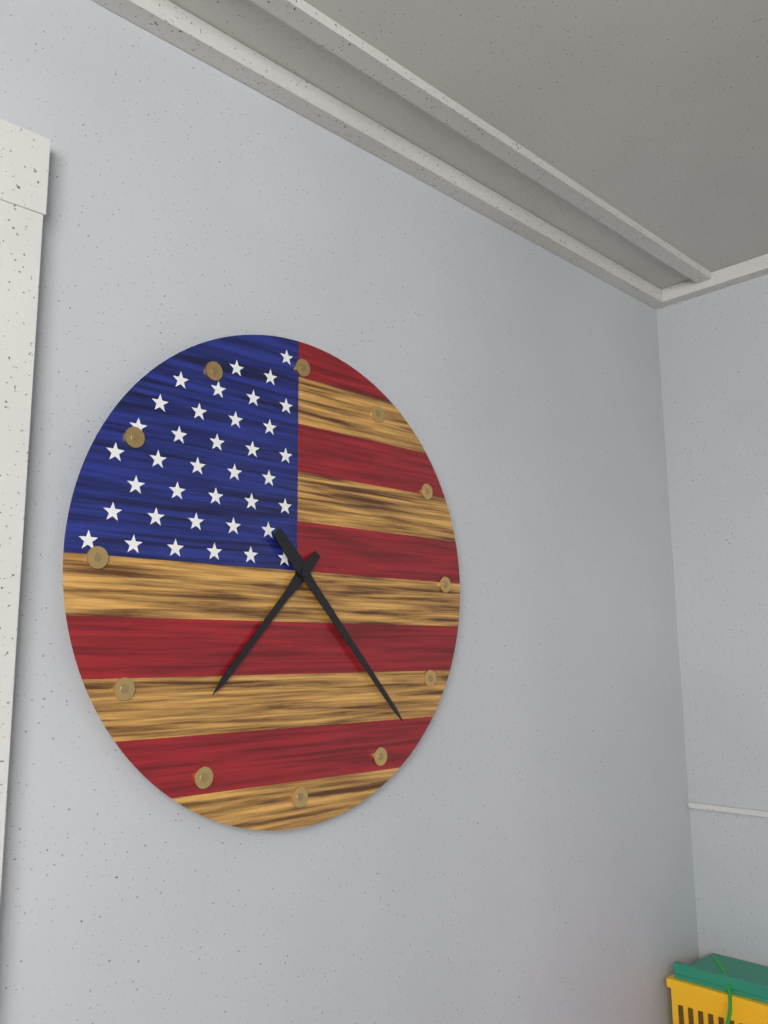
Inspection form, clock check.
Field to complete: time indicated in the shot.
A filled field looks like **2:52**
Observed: **7:23**
